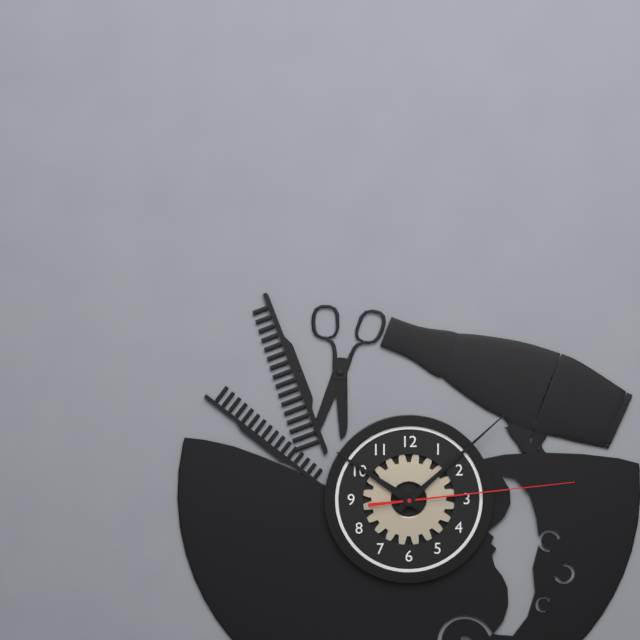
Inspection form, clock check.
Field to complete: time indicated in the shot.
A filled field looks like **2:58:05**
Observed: **10:08:14**
